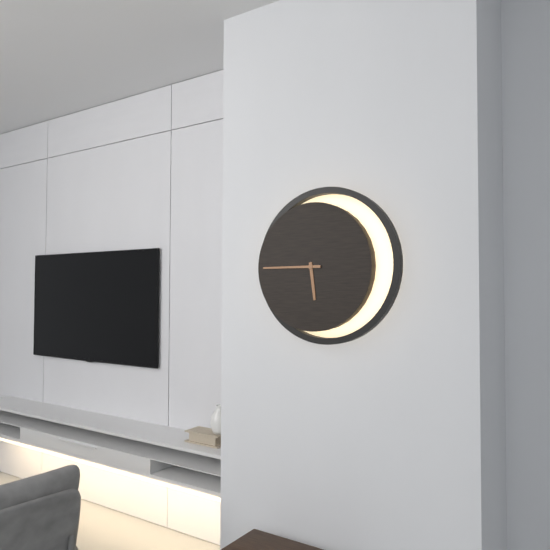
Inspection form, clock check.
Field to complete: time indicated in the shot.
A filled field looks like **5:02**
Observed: **5:45**
